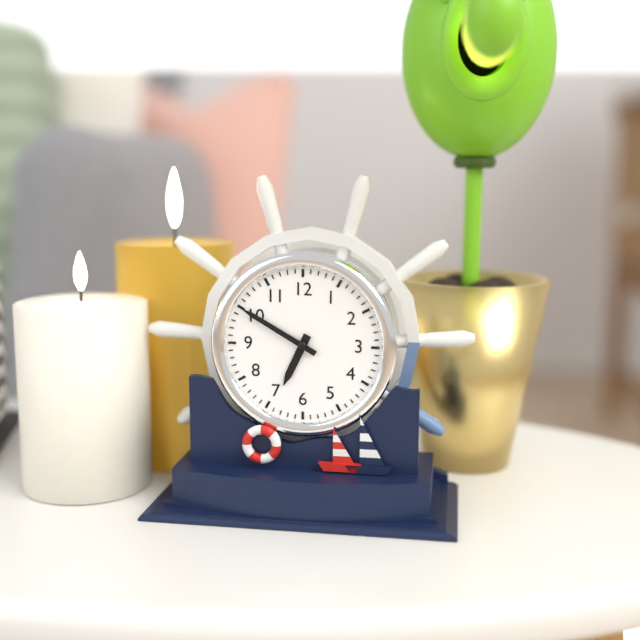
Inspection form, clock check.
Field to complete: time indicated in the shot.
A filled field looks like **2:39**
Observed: **6:50**
